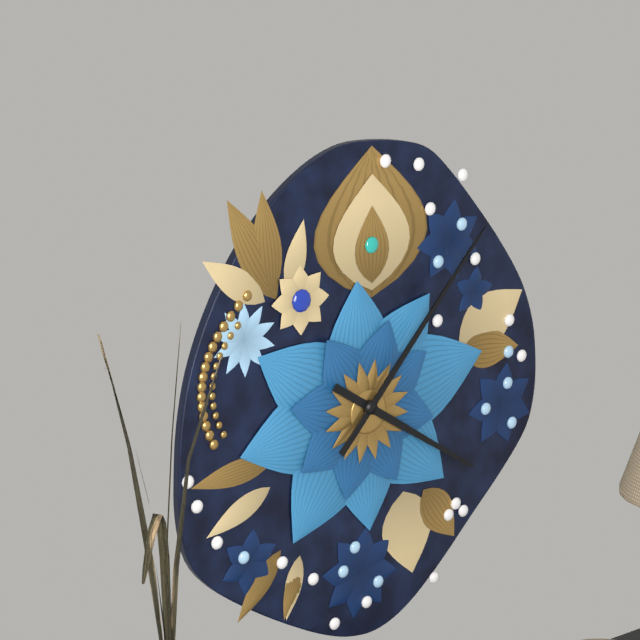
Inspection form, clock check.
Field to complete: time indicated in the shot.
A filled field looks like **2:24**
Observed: **4:07**
